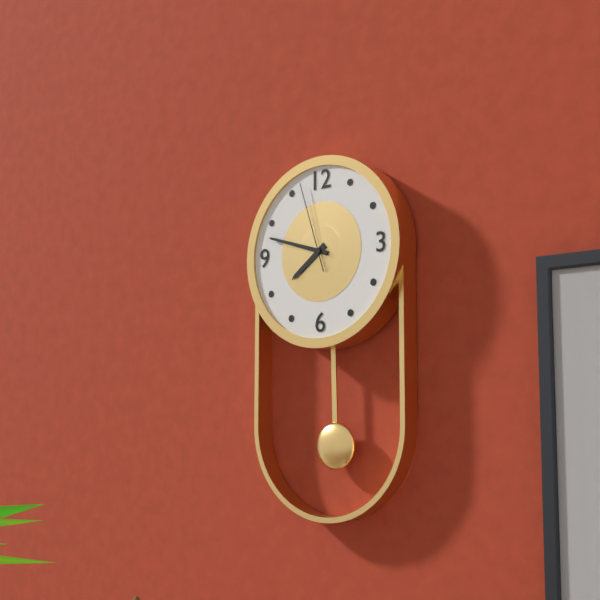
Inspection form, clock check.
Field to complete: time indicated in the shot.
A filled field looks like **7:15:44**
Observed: **7:48:57**
